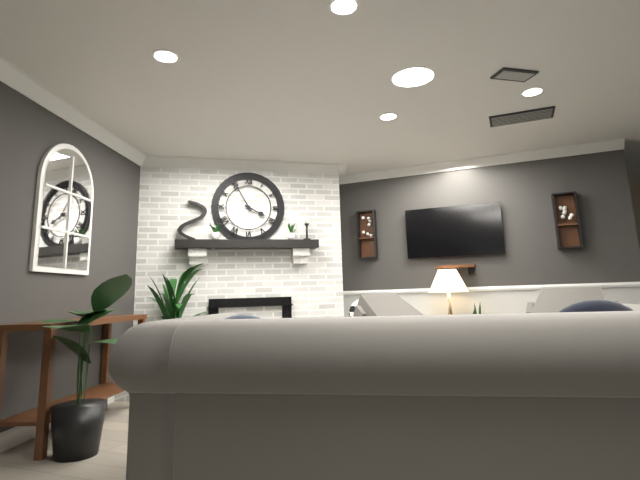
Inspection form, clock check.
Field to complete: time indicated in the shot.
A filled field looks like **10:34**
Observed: **3:55**
